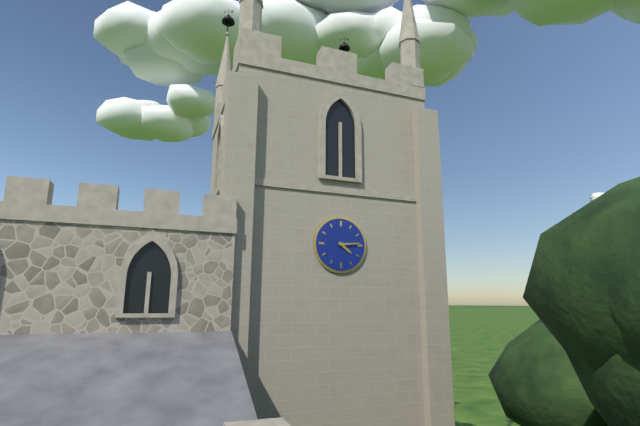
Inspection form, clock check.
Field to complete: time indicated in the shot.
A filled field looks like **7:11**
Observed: **4:14**
